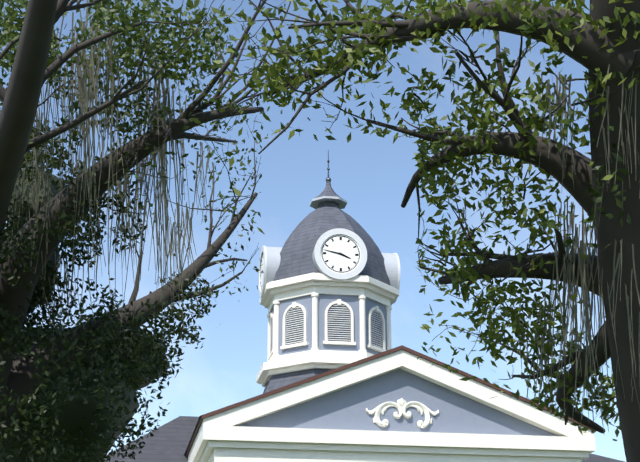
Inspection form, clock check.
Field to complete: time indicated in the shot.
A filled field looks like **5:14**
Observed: **3:47**
